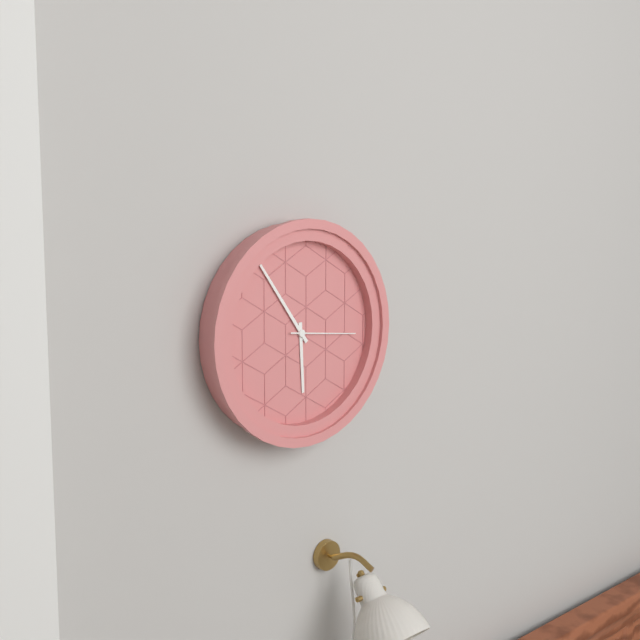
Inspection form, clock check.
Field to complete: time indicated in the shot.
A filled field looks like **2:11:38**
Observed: **5:54:16**
